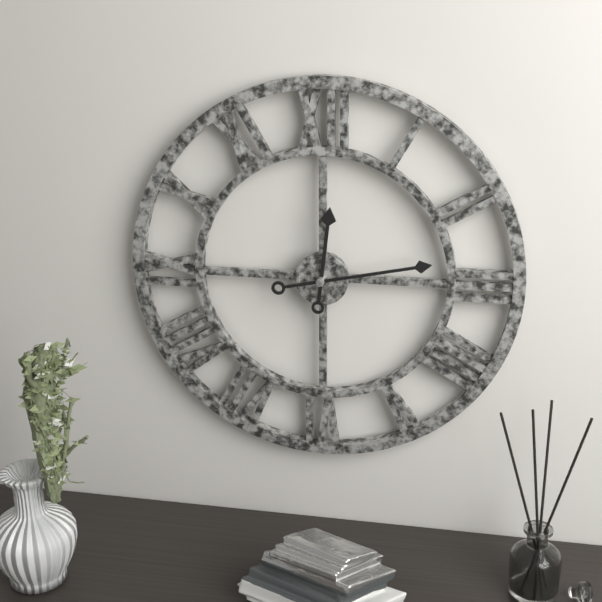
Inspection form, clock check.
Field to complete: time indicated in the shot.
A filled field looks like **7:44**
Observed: **12:13**
